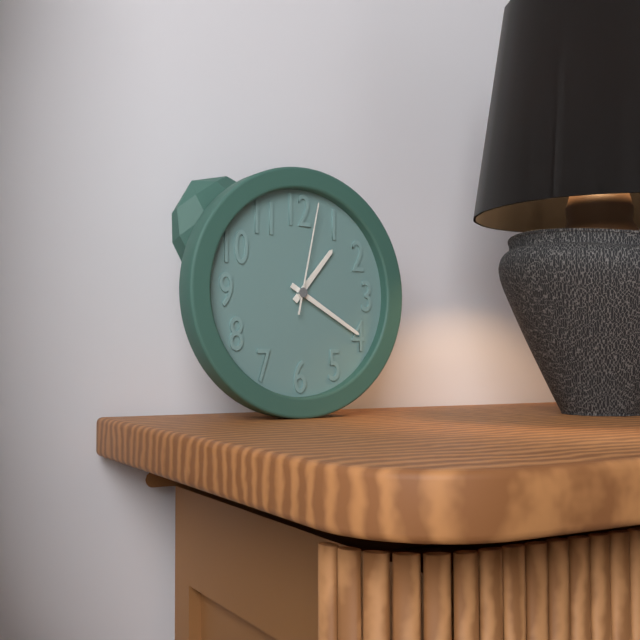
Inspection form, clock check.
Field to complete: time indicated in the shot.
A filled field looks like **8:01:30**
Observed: **1:20:02**
